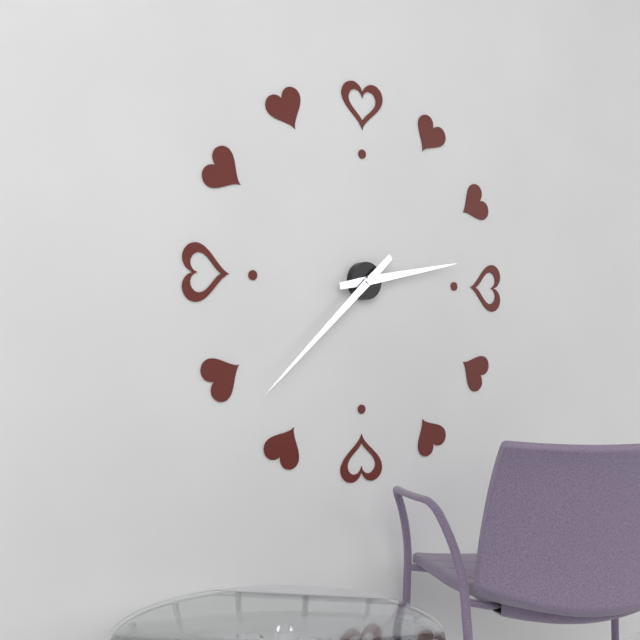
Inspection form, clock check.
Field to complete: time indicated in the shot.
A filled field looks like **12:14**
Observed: **2:38**
